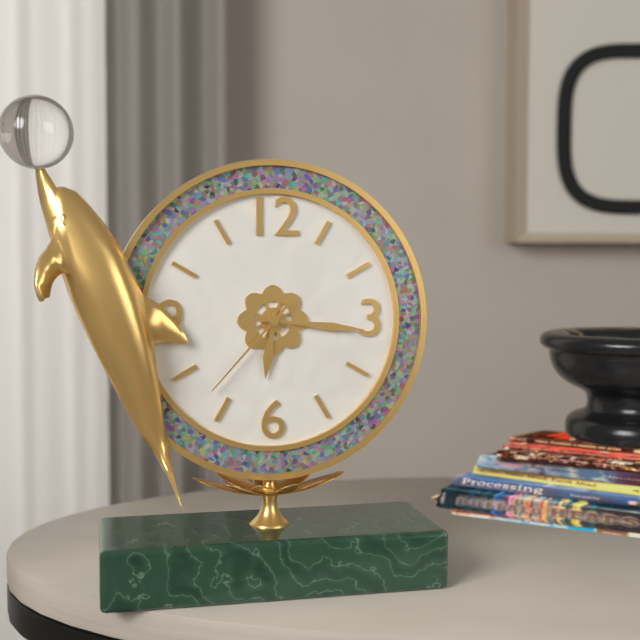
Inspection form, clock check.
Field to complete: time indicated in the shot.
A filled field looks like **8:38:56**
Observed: **6:16:37**
